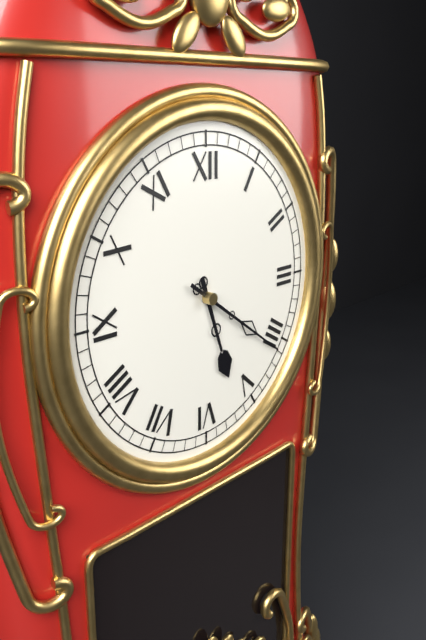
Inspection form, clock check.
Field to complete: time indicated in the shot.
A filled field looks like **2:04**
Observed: **5:21**
